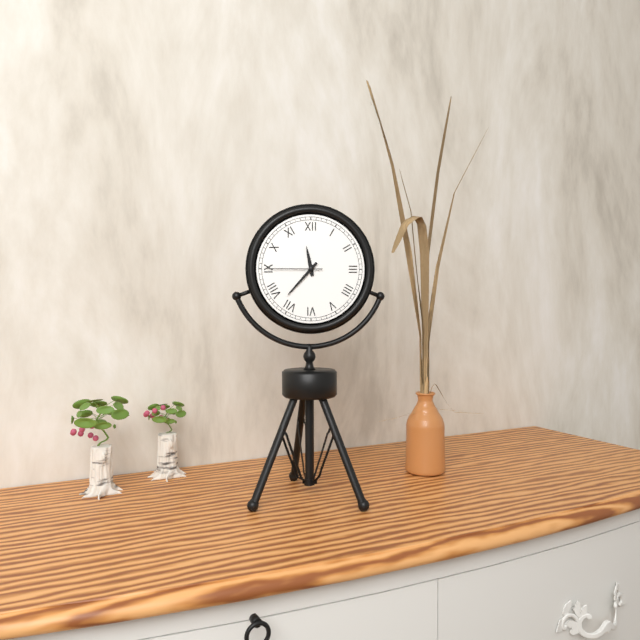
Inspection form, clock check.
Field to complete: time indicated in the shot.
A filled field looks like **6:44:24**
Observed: **11:37:45**
